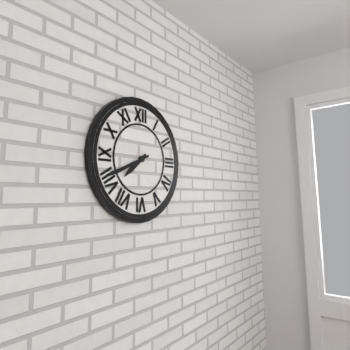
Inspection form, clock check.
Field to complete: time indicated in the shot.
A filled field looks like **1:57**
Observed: **7:41**
